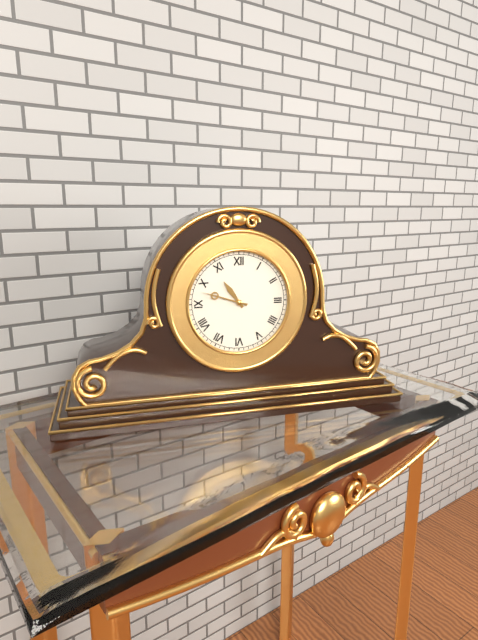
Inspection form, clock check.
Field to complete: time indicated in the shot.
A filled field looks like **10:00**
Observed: **10:48**
